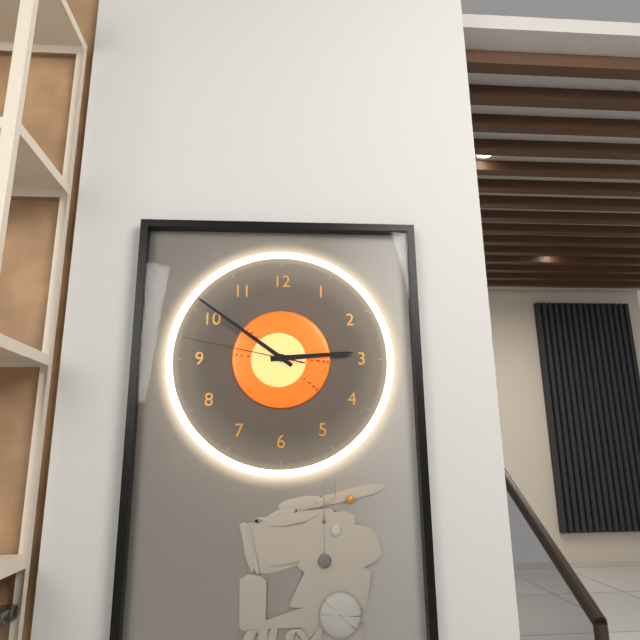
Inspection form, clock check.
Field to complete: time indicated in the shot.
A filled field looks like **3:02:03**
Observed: **2:51:47**
